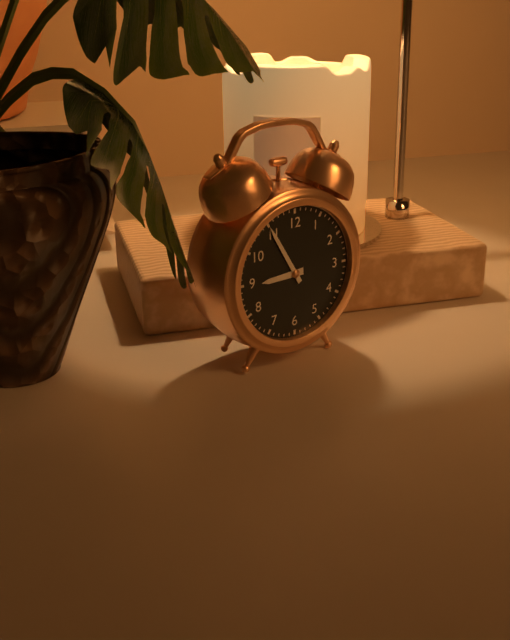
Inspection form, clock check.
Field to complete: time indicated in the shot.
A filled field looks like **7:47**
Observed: **8:55**
